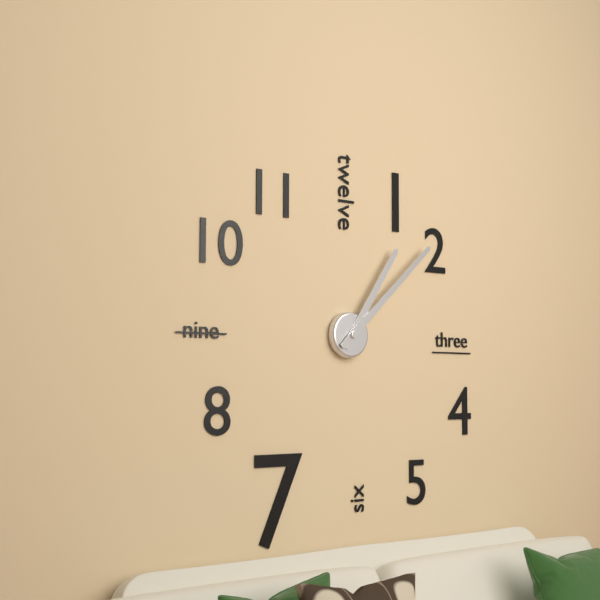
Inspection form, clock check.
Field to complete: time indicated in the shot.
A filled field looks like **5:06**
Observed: **1:08**
